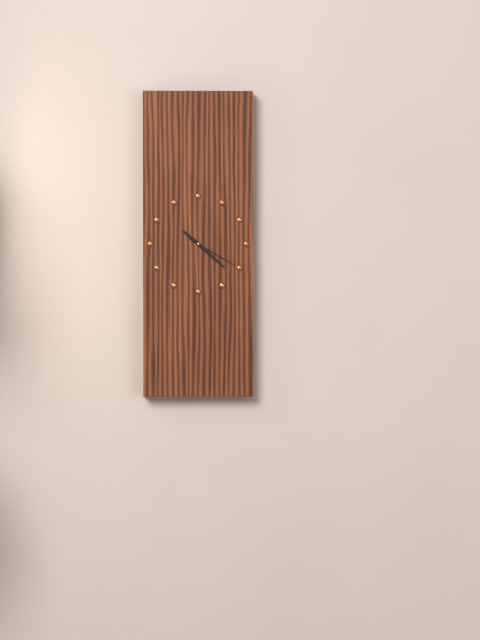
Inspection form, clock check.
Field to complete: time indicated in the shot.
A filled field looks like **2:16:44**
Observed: **10:22:20**
